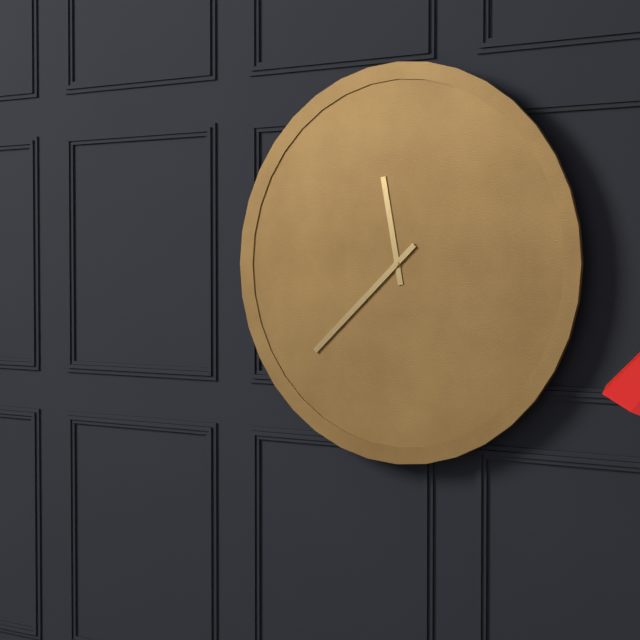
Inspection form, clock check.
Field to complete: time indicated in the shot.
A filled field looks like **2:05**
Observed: **11:38**
